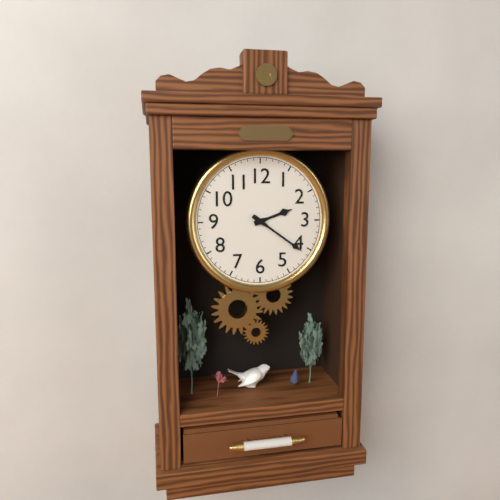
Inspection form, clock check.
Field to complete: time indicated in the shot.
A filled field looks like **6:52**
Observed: **2:21**
